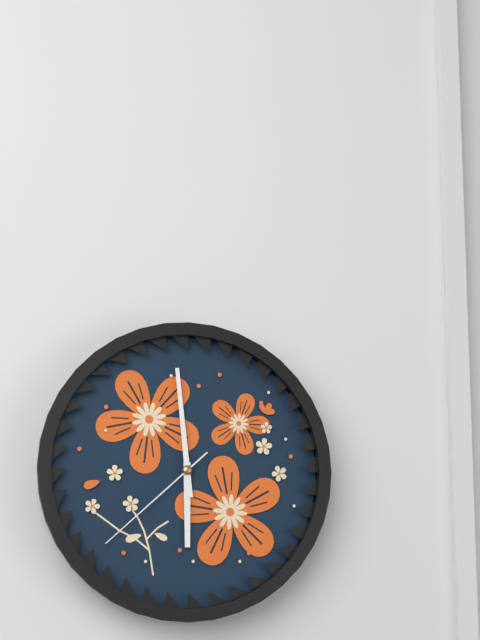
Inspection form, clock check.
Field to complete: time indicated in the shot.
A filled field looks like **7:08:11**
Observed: **5:59:38**
